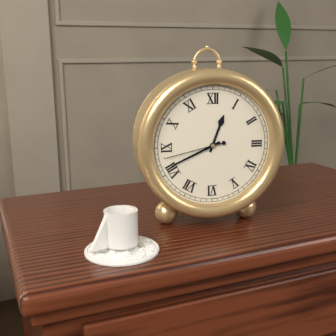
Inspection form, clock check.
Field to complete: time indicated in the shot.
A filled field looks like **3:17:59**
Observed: **12:41:43**
